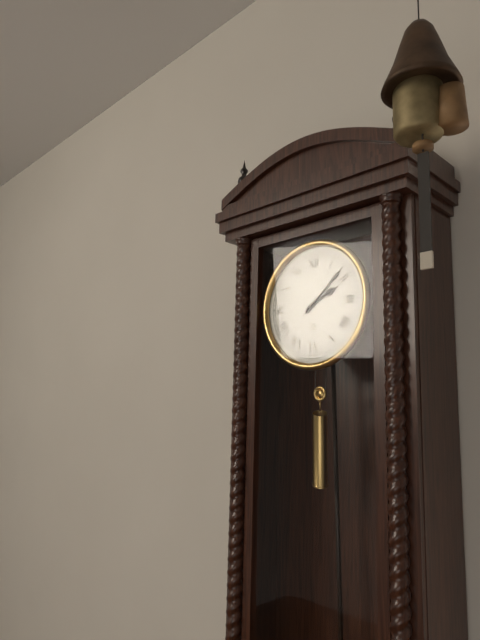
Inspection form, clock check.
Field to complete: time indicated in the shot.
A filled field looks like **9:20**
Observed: **2:08**
